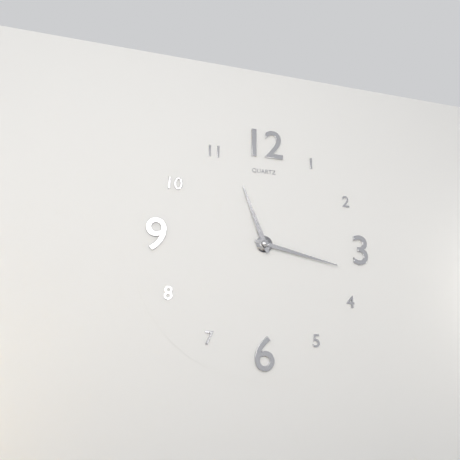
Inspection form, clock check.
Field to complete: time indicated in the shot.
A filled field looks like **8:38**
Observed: **11:17**
